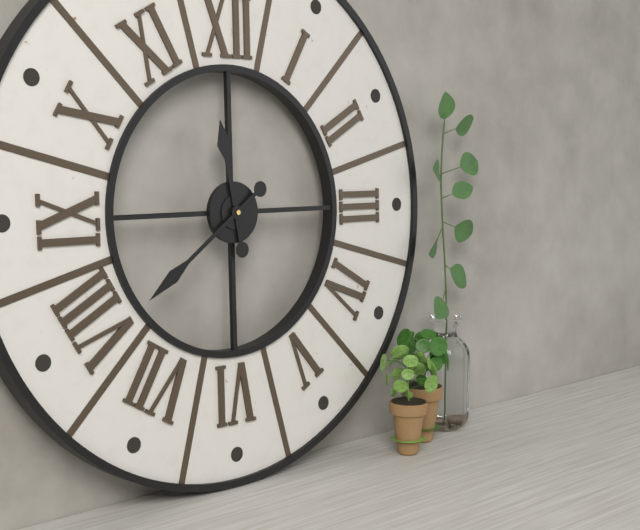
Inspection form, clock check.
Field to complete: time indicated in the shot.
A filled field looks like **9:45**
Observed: **11:39**
